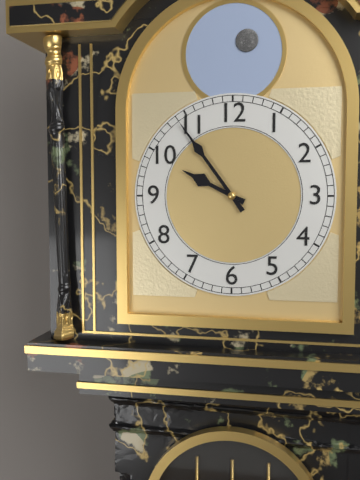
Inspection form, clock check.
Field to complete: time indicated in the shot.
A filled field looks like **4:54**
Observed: **9:54**
